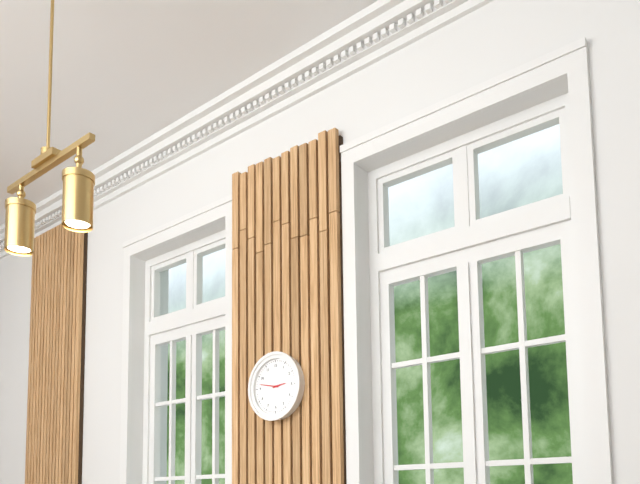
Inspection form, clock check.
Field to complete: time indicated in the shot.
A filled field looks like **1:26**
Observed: **2:47**
